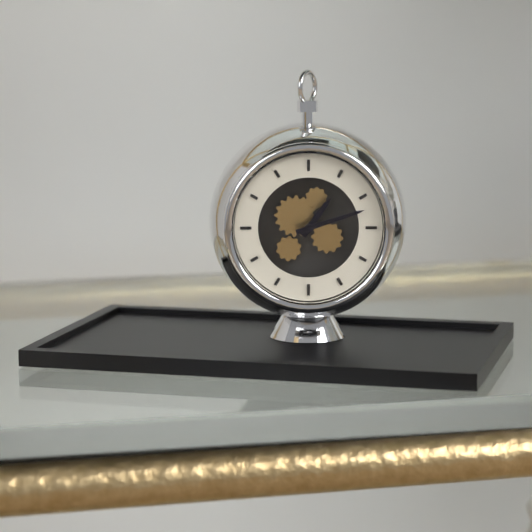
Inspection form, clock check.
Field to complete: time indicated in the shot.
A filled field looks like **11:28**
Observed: **1:12**
